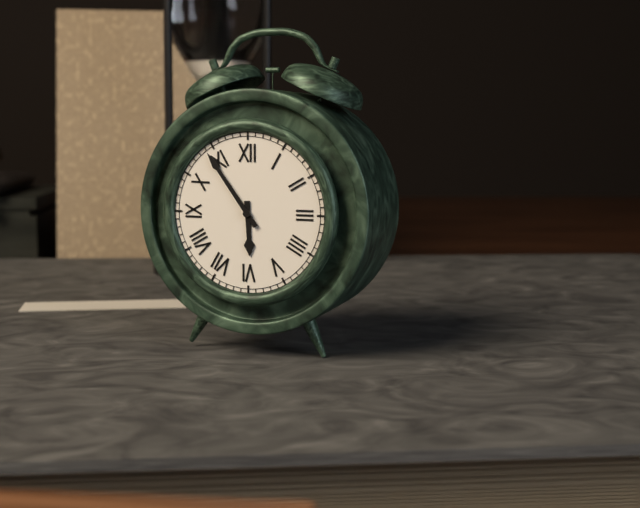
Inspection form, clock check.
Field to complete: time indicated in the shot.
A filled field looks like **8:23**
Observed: **5:54**
